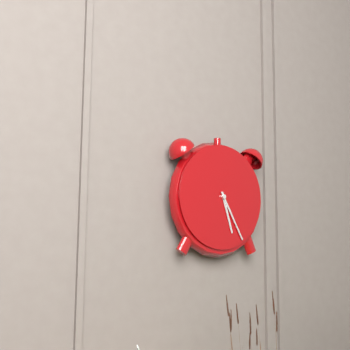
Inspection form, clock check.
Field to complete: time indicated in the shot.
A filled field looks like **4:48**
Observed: **5:25**
